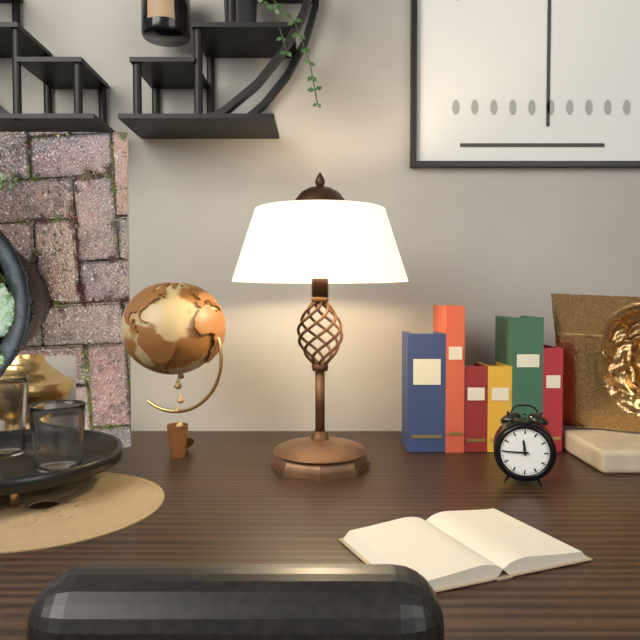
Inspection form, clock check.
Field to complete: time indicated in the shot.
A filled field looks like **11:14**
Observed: **11:45**
